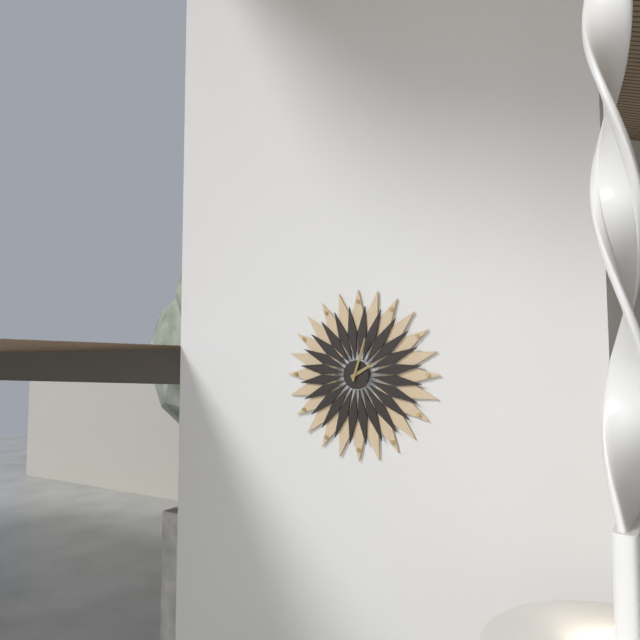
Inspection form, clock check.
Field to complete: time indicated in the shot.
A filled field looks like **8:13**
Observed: **2:03**
